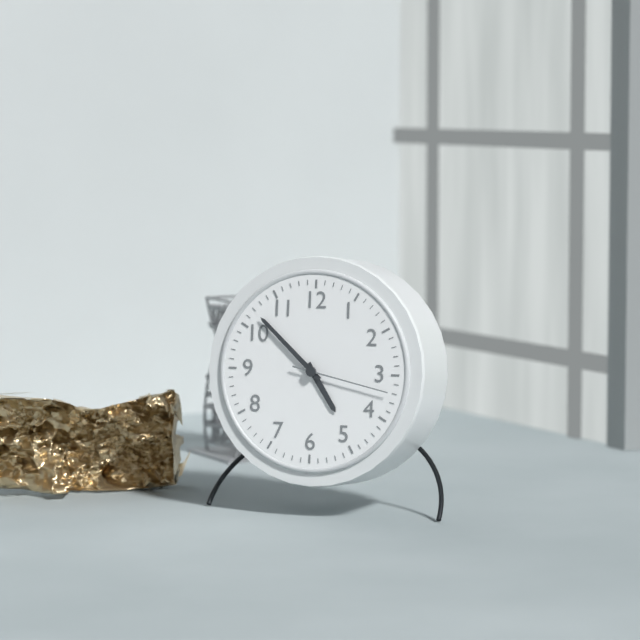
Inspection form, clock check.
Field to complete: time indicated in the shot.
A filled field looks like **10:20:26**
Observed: **4:52:17**
